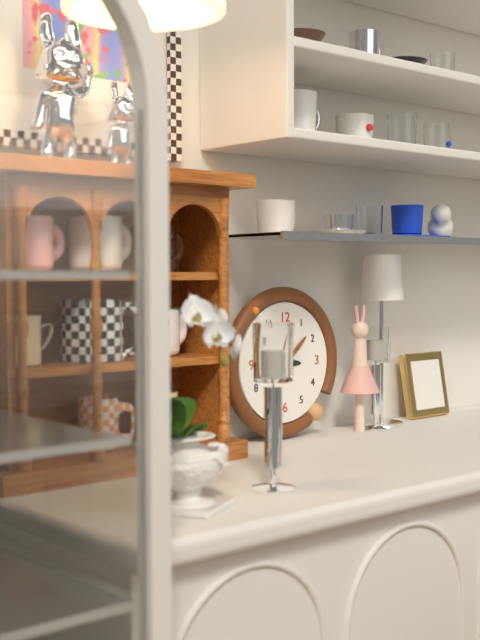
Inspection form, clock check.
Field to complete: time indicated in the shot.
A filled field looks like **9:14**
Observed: **3:08**
